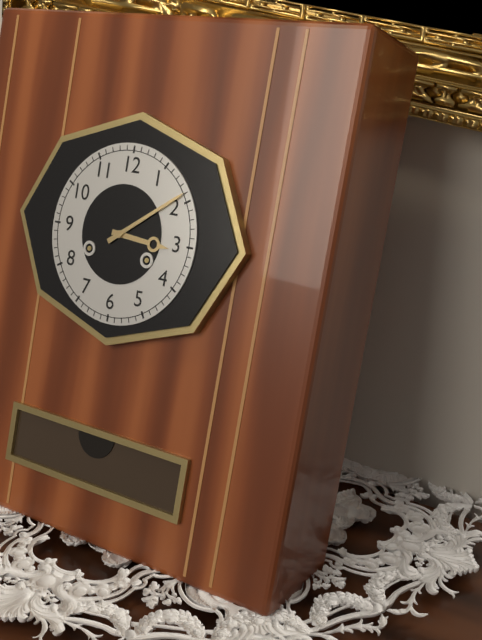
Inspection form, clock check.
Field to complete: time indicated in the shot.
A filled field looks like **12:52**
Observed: **3:09**
